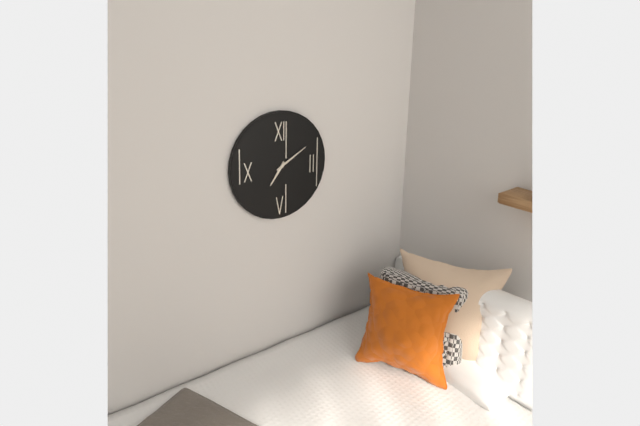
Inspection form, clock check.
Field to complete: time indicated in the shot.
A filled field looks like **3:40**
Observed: **7:10**
